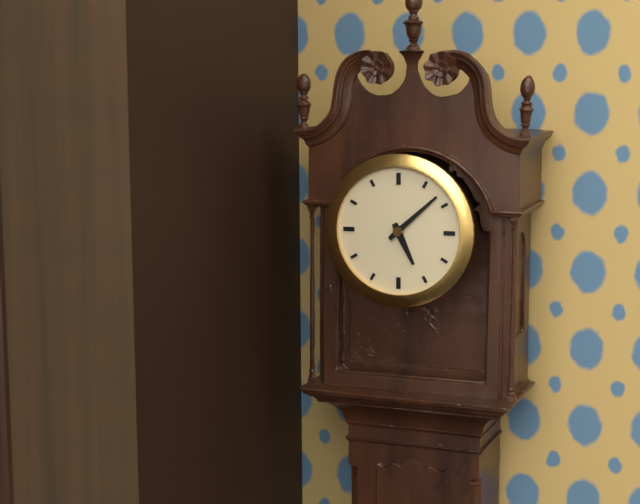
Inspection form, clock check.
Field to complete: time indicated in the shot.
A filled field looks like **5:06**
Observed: **5:08**
